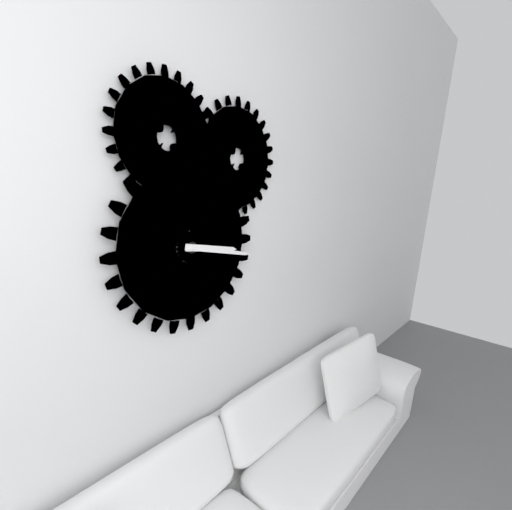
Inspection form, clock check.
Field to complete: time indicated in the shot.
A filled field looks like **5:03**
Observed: **3:17**
